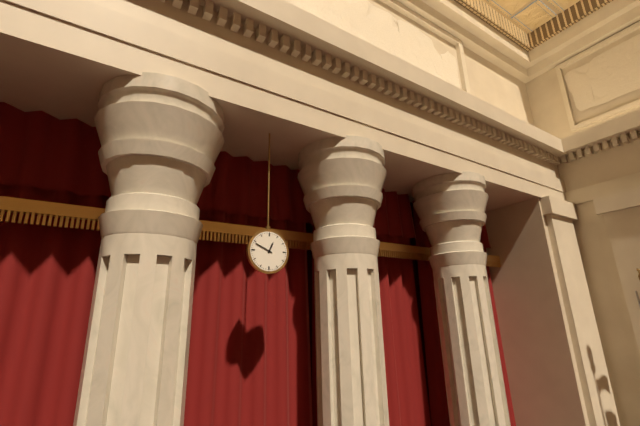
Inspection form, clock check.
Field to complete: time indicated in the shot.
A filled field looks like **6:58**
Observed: **12:49**
